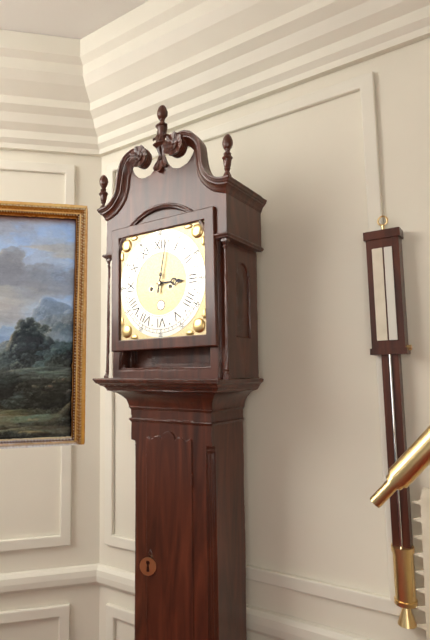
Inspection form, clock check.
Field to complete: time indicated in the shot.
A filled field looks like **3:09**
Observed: **3:02**
